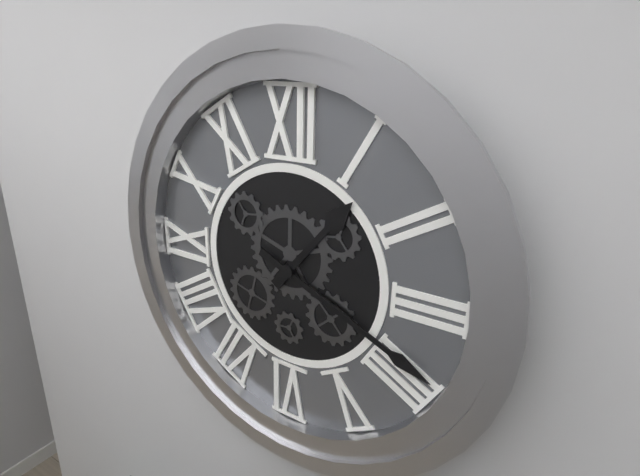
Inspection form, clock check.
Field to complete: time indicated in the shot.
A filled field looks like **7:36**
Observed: **1:19**
